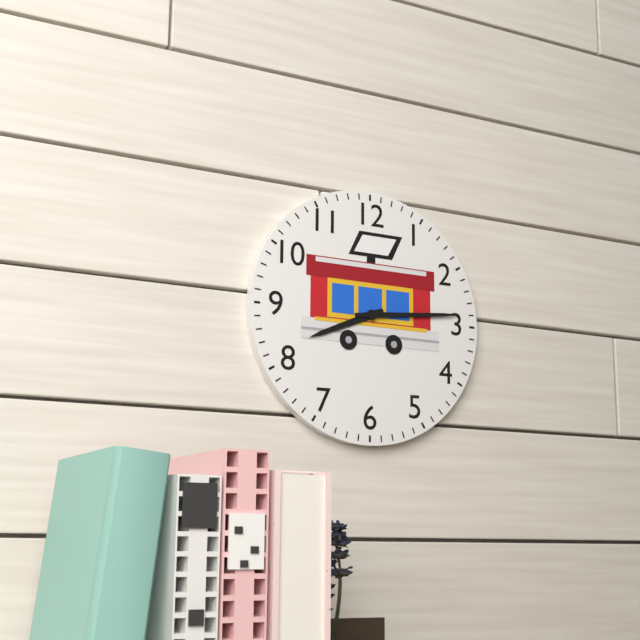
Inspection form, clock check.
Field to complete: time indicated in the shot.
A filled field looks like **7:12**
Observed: **8:14**
